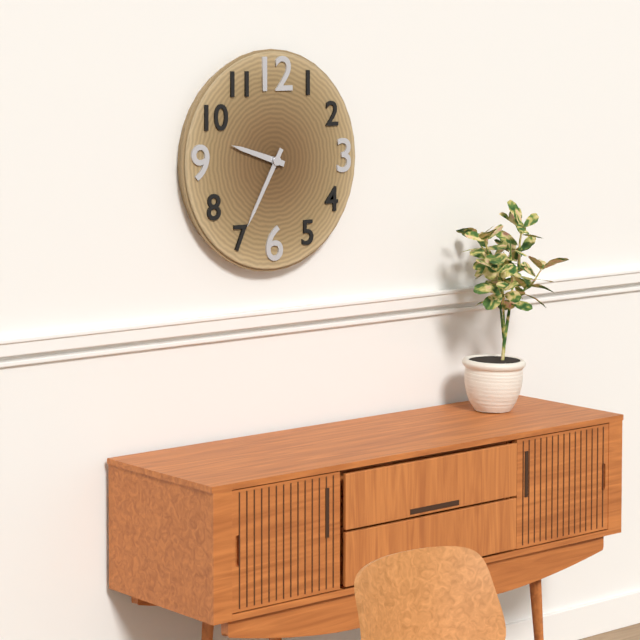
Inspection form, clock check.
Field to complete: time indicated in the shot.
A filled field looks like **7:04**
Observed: **9:35**
